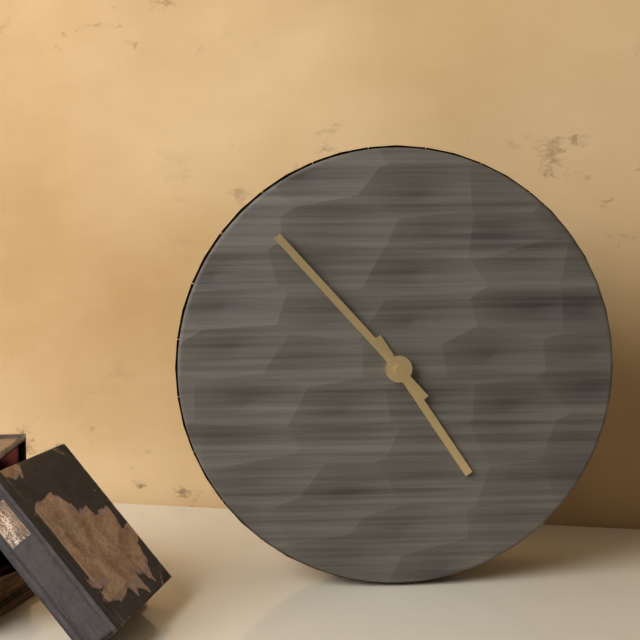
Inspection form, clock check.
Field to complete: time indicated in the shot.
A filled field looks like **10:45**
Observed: **4:53**
